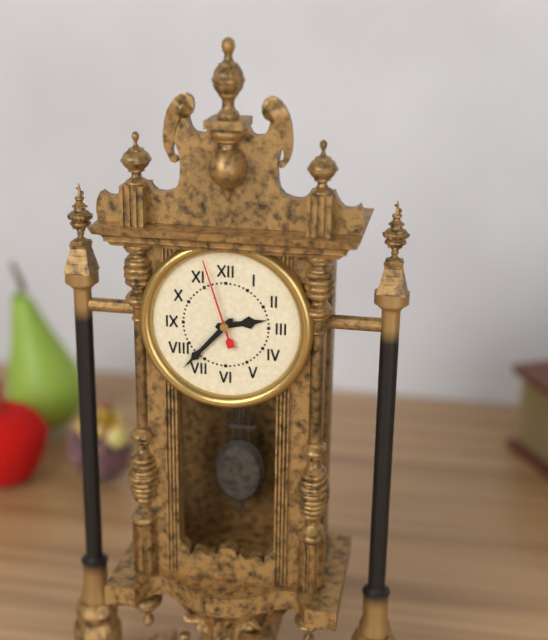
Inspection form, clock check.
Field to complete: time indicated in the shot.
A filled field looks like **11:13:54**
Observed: **2:37:57**
